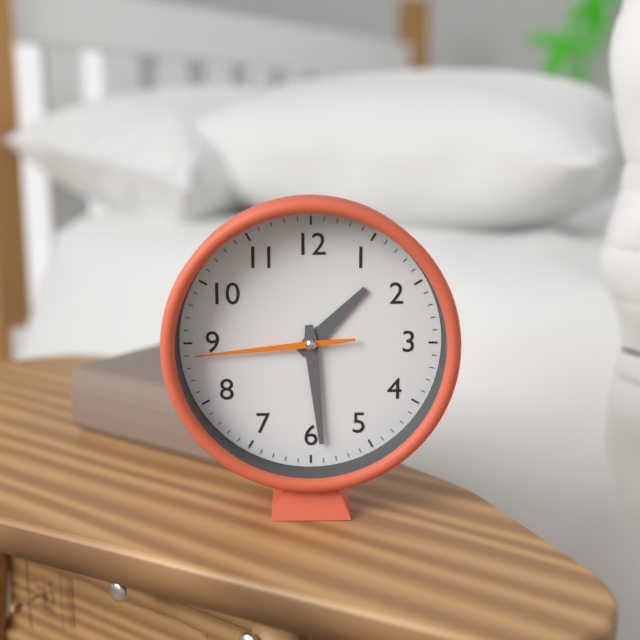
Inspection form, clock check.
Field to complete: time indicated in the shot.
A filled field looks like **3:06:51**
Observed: **1:29:44**
